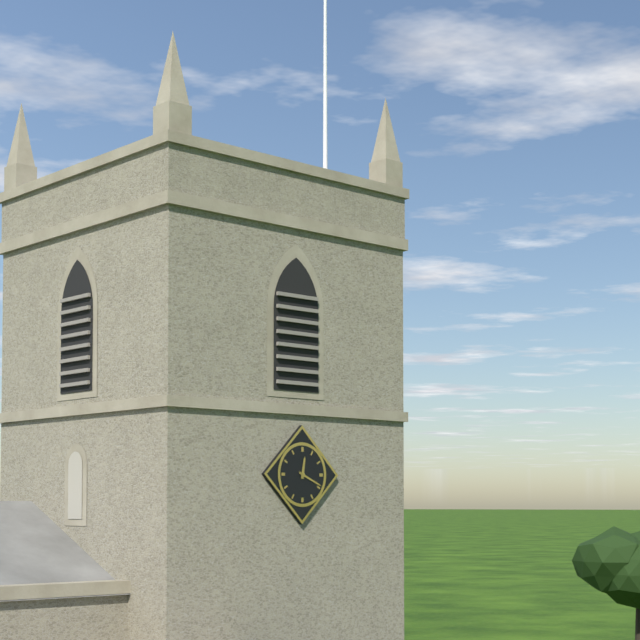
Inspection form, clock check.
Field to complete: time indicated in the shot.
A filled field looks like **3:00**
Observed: **12:19**
